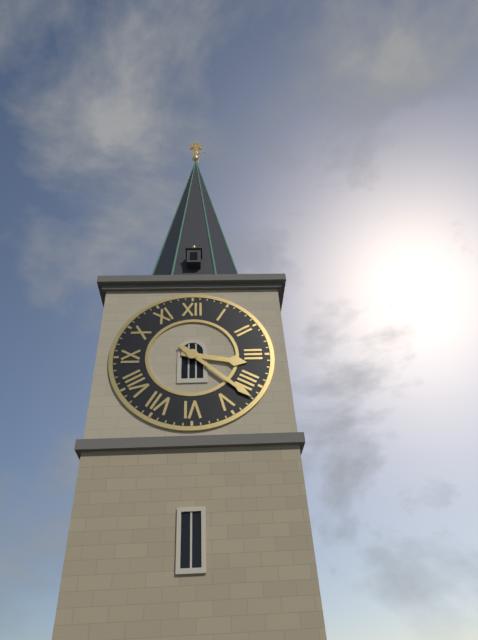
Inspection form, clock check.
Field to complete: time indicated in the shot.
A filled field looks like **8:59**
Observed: **3:22**
